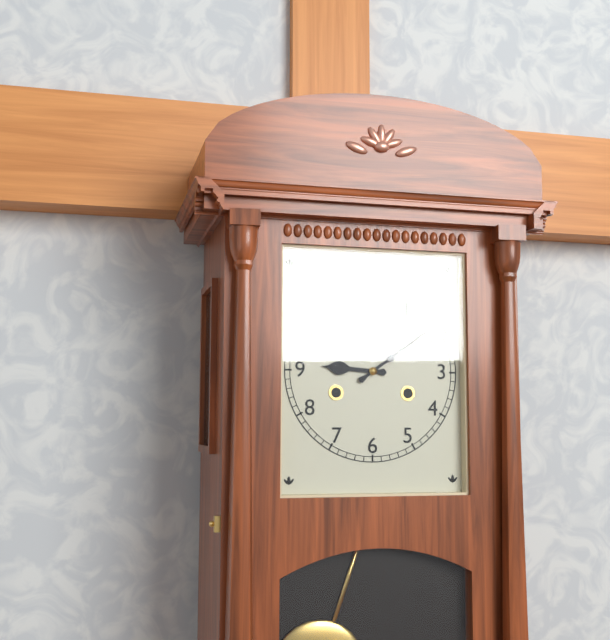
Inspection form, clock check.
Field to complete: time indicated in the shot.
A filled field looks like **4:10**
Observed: **9:09**
